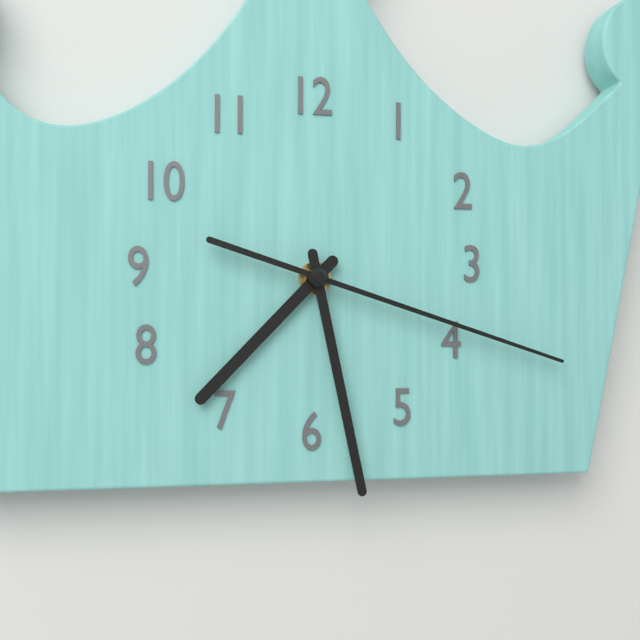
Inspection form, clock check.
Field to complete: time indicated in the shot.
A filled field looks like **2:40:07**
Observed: **7:28:18**
